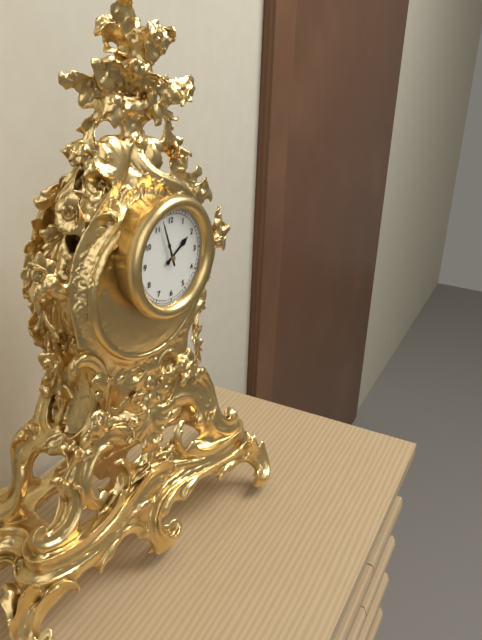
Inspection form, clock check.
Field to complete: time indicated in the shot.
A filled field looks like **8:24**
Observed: **1:57**
